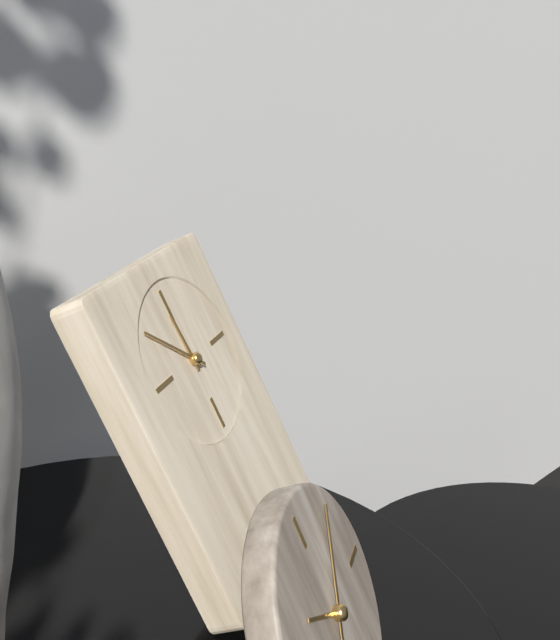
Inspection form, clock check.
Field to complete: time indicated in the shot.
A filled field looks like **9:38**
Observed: **11:52**
